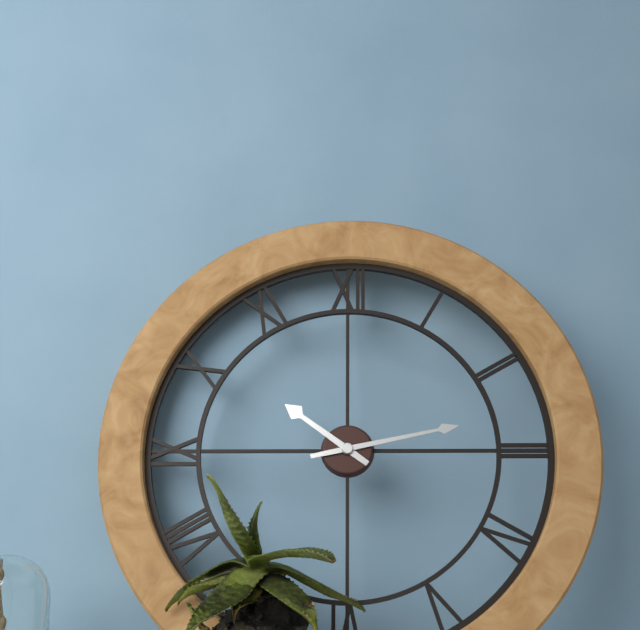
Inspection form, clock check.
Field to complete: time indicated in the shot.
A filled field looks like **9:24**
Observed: **10:13**
